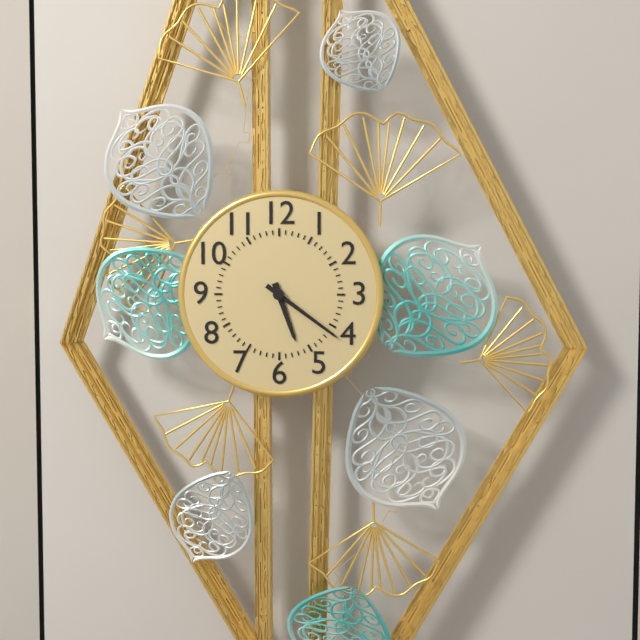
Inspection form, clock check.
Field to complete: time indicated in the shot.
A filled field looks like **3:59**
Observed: **5:21**
